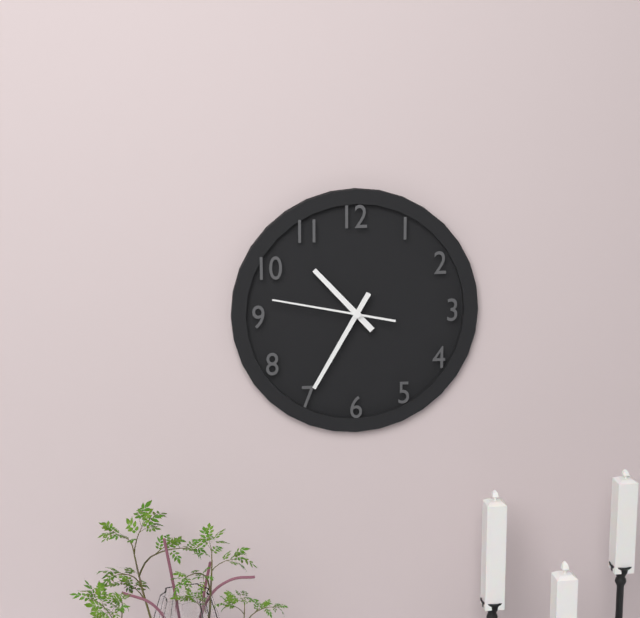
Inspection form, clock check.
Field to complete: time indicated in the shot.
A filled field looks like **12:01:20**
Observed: **10:35:47**
